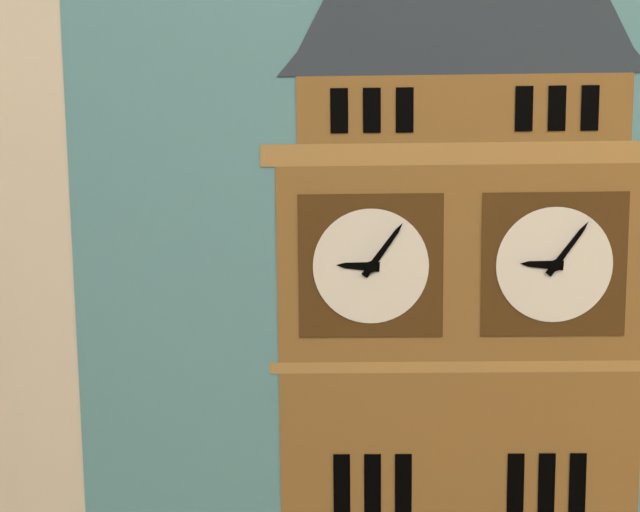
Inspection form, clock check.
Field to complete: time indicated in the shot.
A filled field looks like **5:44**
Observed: **9:06**
